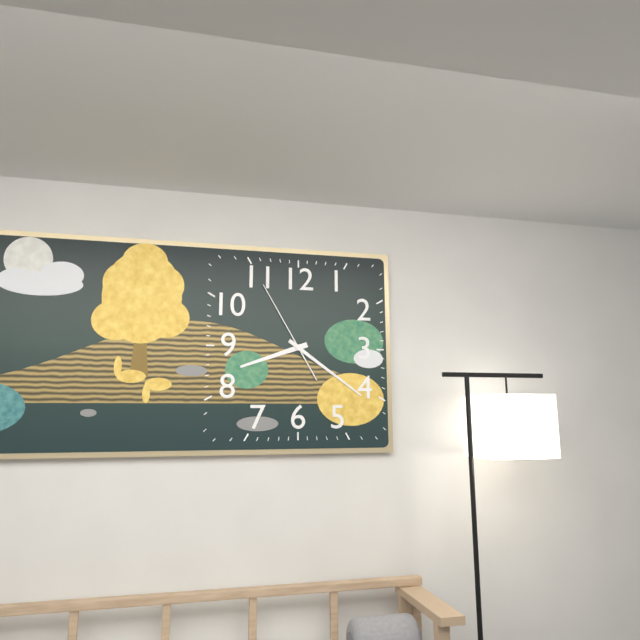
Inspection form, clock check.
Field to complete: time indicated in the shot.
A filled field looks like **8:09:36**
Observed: **8:21:55**
